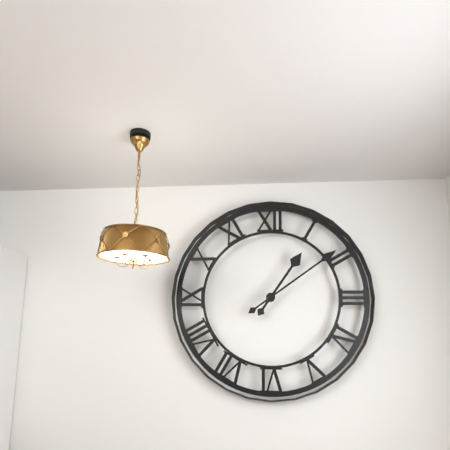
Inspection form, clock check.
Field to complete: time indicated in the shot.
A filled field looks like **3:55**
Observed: **1:09**
